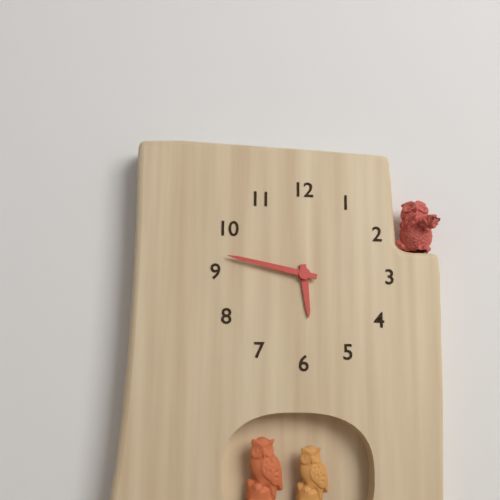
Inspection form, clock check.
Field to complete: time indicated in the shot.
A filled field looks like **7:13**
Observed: **5:47**
